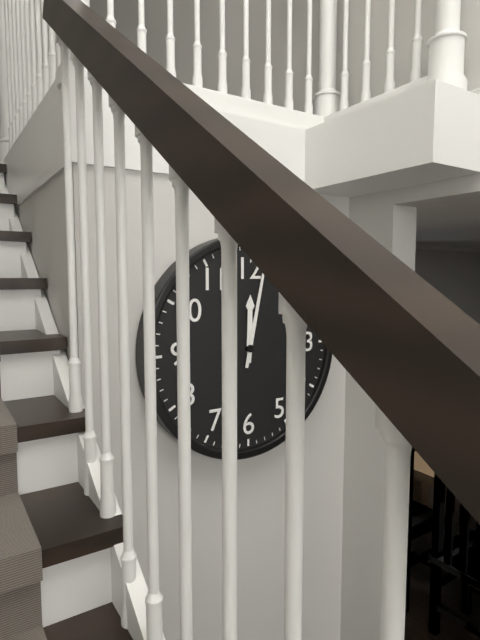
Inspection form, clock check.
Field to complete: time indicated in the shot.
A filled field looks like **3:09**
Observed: **12:02**
